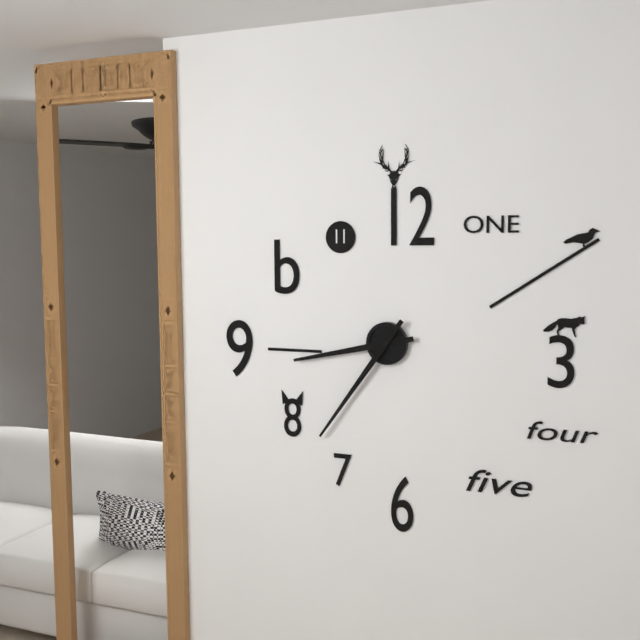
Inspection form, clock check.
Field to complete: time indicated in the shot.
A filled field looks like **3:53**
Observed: **8:36**
